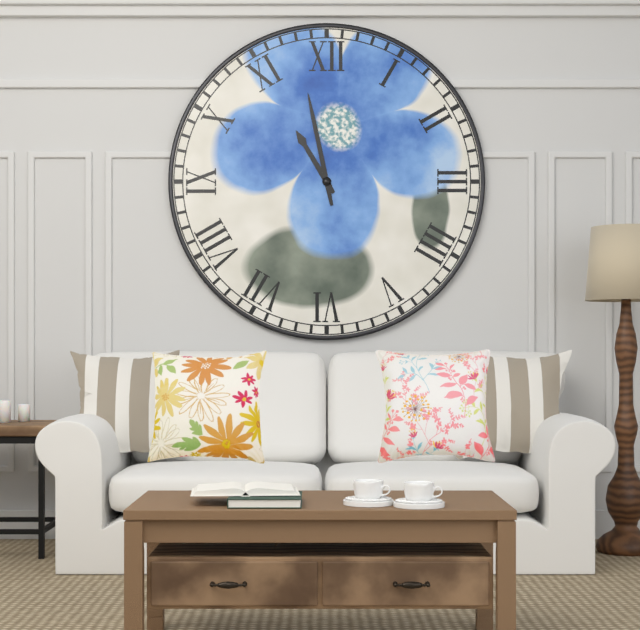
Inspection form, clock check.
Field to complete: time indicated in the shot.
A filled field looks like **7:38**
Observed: **10:58**
